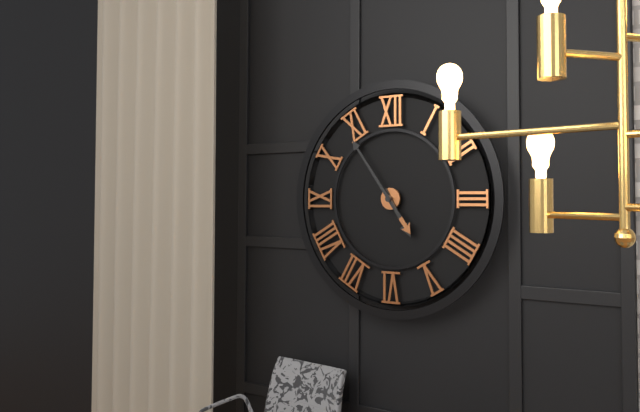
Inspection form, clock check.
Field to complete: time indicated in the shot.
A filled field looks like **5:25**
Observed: **4:54**
